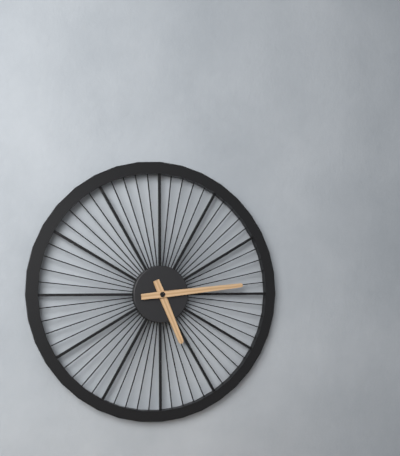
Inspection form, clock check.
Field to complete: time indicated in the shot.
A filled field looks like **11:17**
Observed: **5:14**
